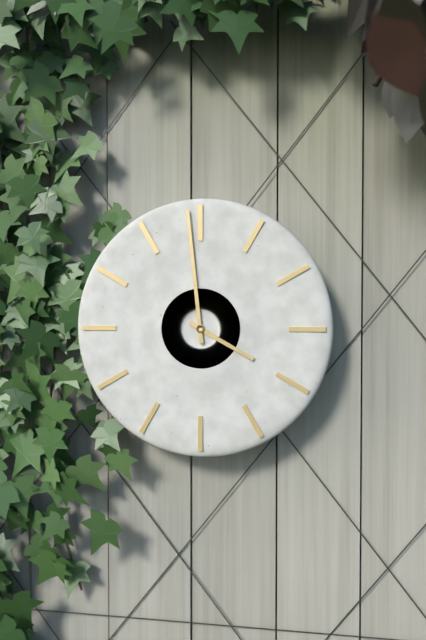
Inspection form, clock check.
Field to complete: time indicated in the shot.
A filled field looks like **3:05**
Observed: **3:59**
